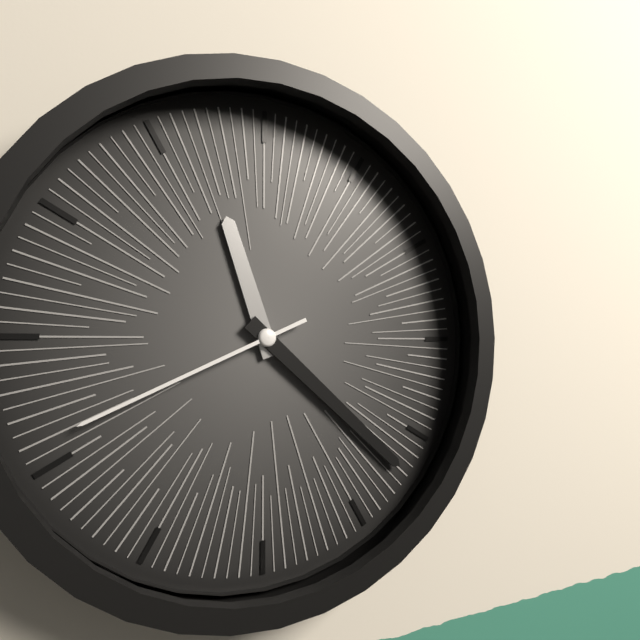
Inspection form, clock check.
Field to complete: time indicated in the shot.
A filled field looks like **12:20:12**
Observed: **11:22:41**
